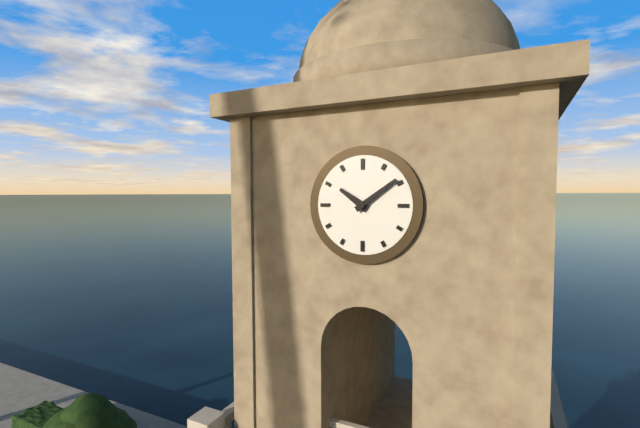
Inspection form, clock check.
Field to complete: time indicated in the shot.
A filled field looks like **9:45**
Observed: **10:09**
